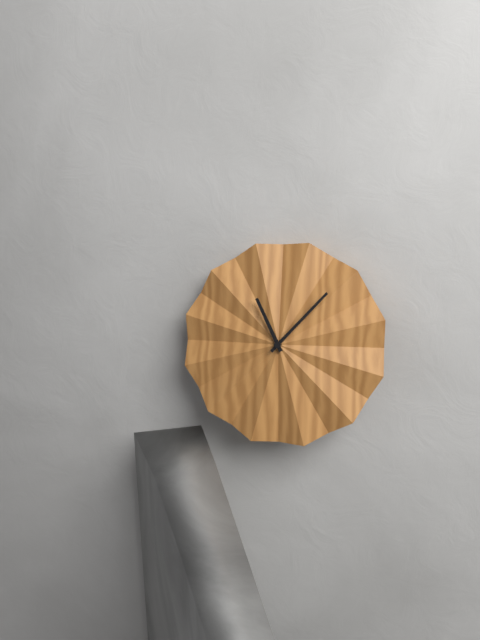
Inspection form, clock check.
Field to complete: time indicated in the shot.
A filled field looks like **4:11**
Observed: **11:07**
